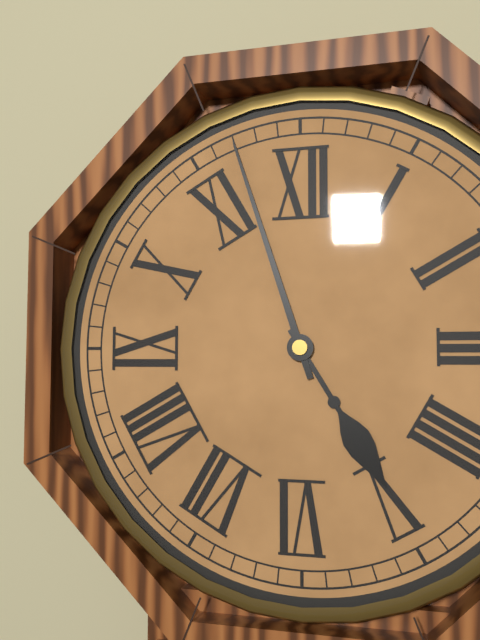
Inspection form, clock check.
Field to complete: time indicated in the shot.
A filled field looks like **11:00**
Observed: **4:57**
